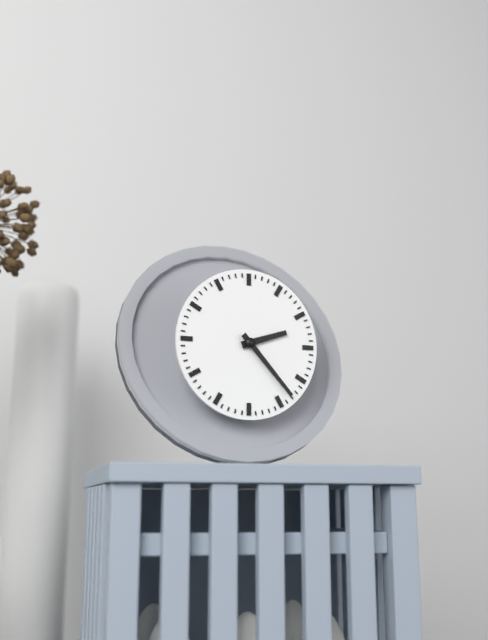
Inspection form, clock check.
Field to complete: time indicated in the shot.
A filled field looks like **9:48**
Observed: **2:23**
